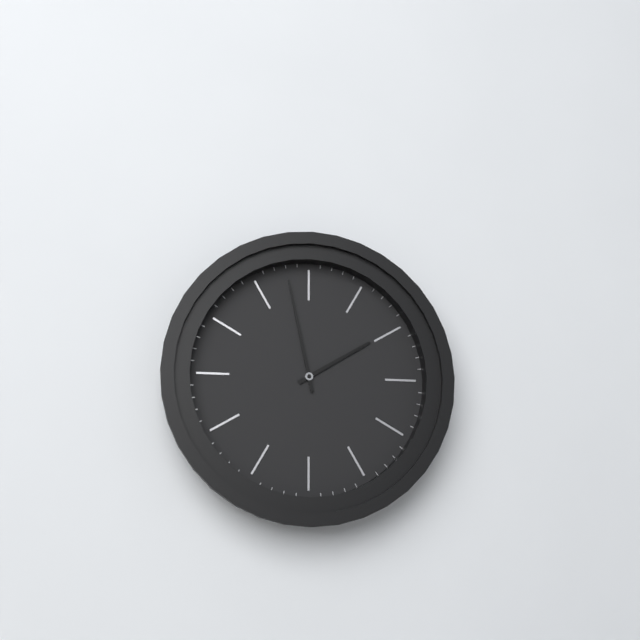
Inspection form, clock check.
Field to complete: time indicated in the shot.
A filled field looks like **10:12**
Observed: **1:58**
